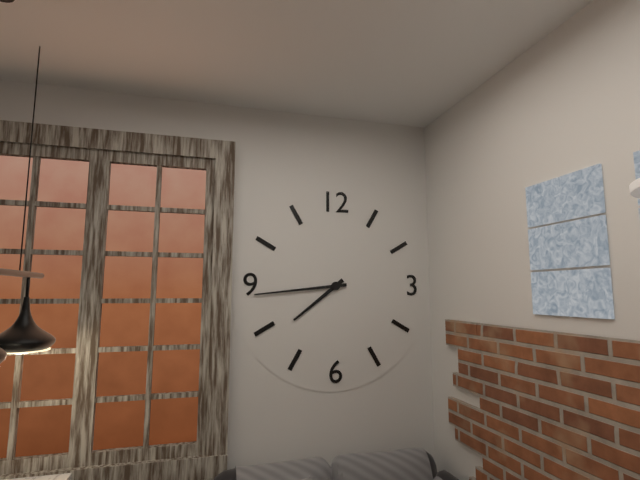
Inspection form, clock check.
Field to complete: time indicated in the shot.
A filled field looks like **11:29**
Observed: **7:44**
